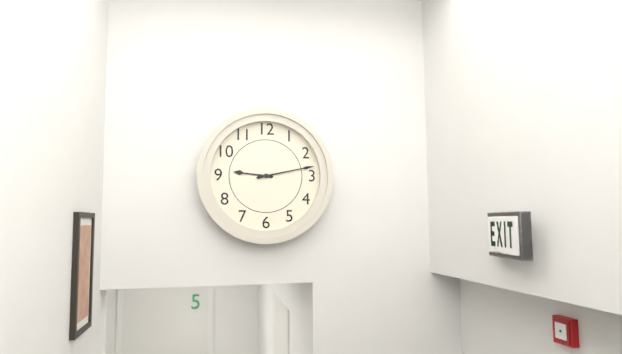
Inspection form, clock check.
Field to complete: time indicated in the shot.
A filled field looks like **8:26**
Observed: **9:13**
